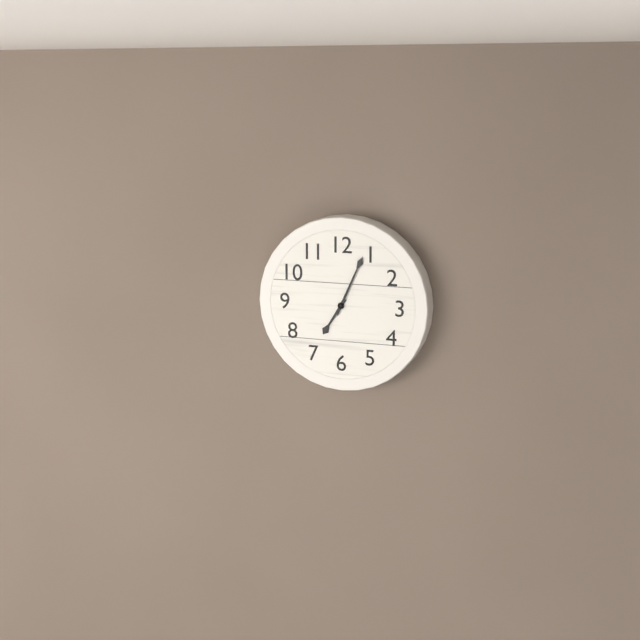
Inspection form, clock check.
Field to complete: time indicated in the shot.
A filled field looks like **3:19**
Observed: **7:04**
